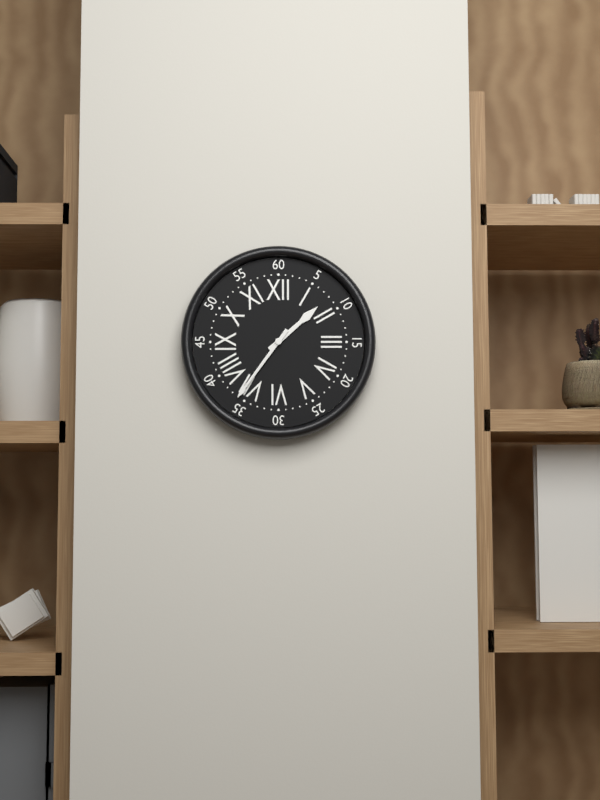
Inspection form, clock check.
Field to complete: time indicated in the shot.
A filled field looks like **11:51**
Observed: **1:36**
